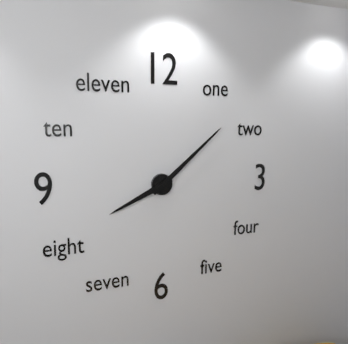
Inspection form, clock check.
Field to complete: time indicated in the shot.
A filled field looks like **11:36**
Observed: **8:08**
